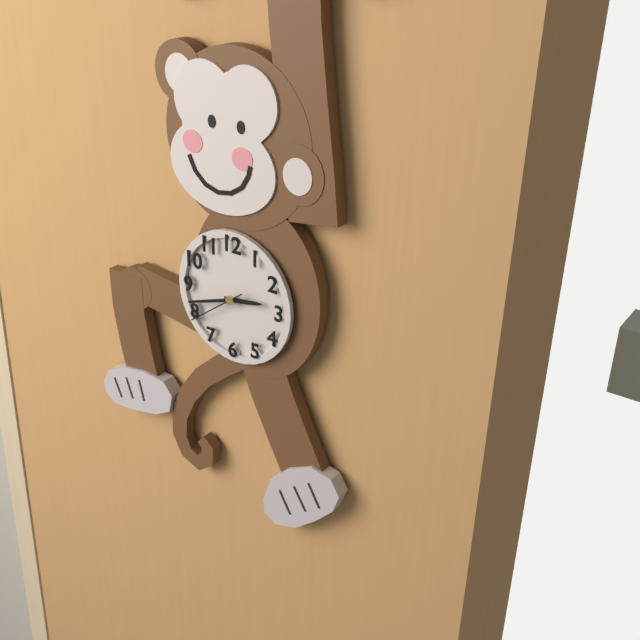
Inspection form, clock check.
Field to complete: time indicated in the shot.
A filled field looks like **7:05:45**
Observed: **2:42:39**
